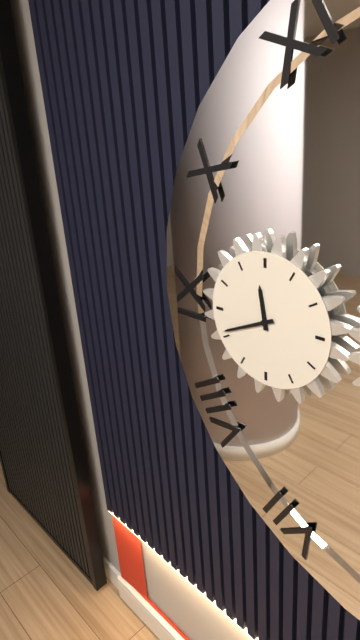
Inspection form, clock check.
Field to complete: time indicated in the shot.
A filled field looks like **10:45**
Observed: **11:41**
